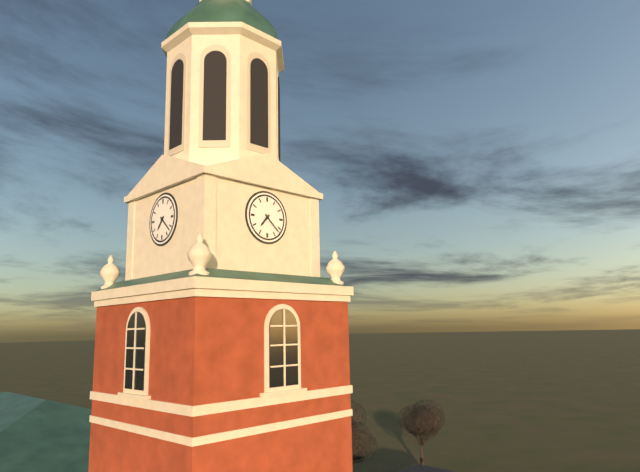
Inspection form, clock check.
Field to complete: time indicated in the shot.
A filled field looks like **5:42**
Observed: **7:22**
